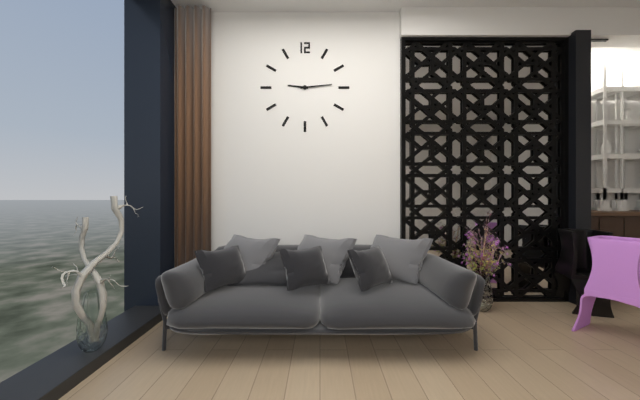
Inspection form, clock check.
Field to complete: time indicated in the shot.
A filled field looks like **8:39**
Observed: **9:14**
